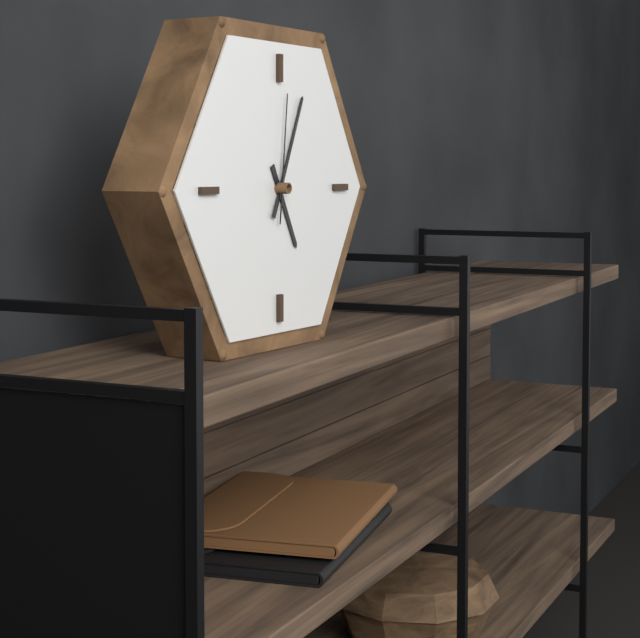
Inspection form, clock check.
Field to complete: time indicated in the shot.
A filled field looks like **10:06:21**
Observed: **5:04:01**
